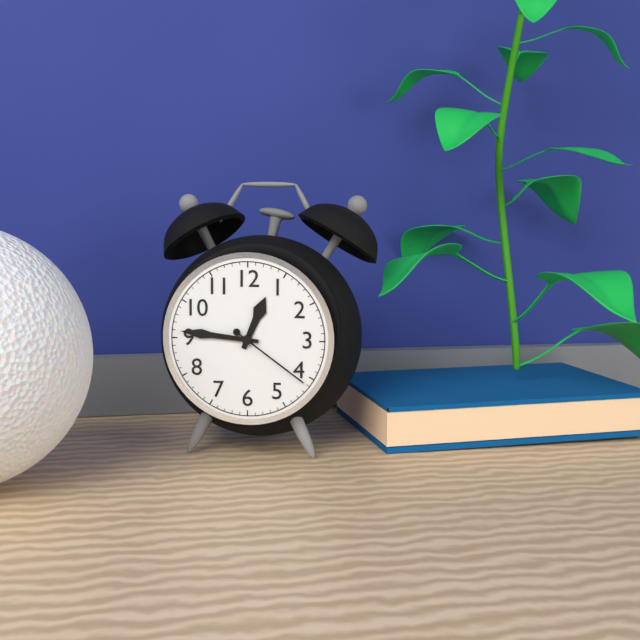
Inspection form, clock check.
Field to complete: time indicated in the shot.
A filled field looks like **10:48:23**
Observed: **12:46:21**
